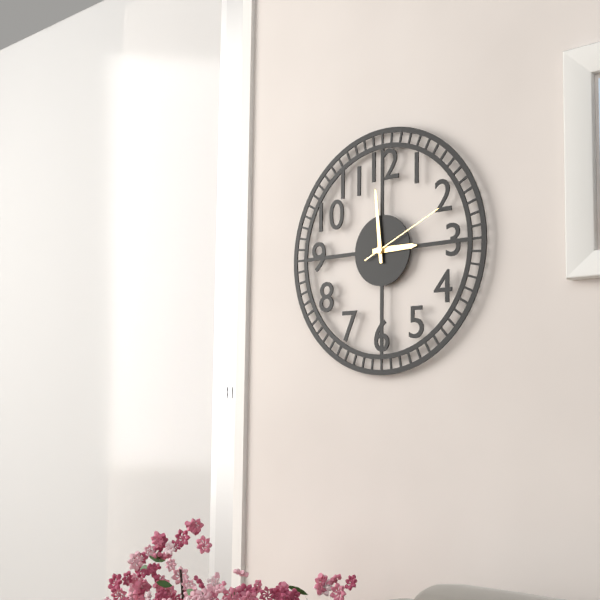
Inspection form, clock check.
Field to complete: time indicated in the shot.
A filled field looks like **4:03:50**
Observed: **2:59:11**
